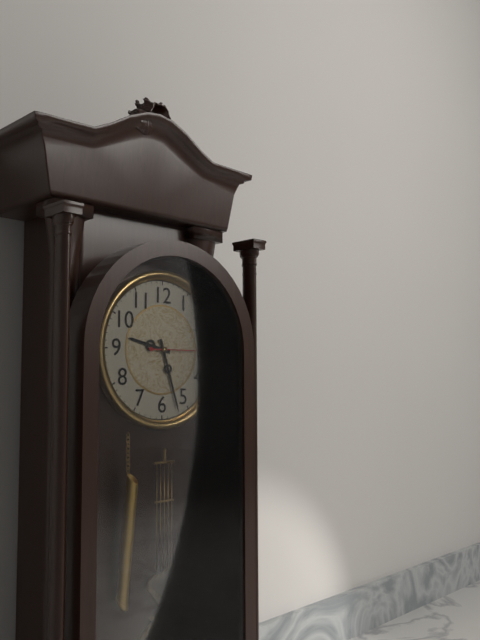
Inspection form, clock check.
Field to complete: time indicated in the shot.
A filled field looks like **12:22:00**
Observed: **9:27:15**
